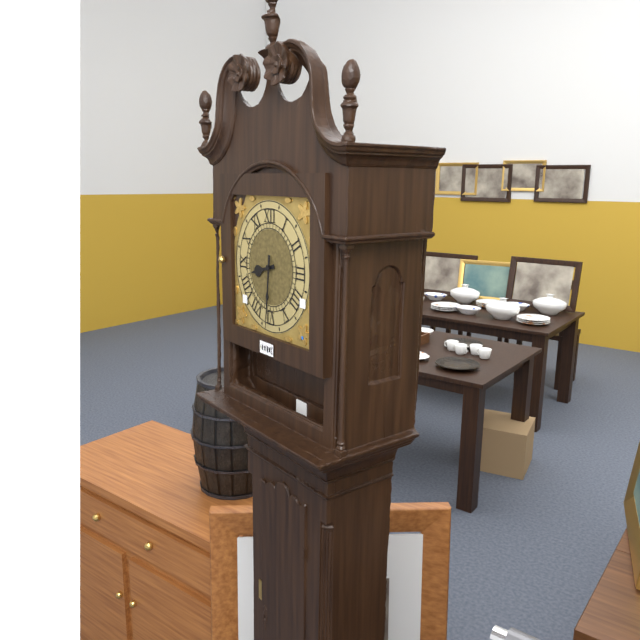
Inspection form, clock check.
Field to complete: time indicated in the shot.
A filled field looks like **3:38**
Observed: **8:31**
